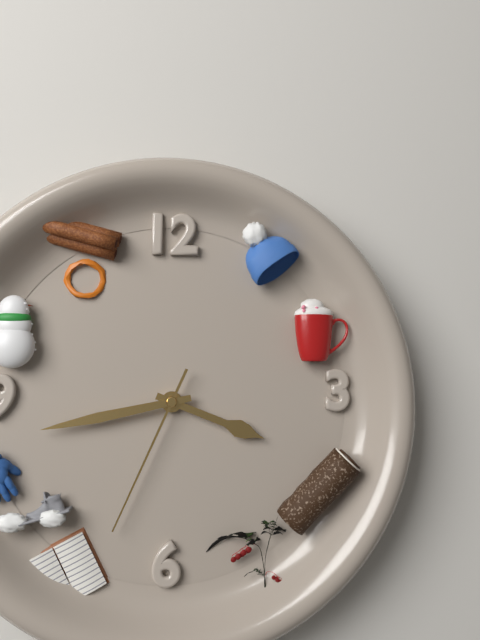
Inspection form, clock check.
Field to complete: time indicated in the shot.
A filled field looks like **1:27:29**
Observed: **3:43:34**
